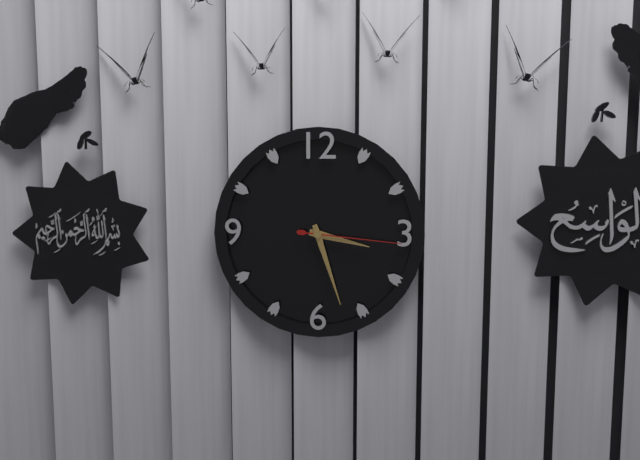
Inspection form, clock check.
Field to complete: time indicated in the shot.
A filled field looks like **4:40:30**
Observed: **3:27:16**
